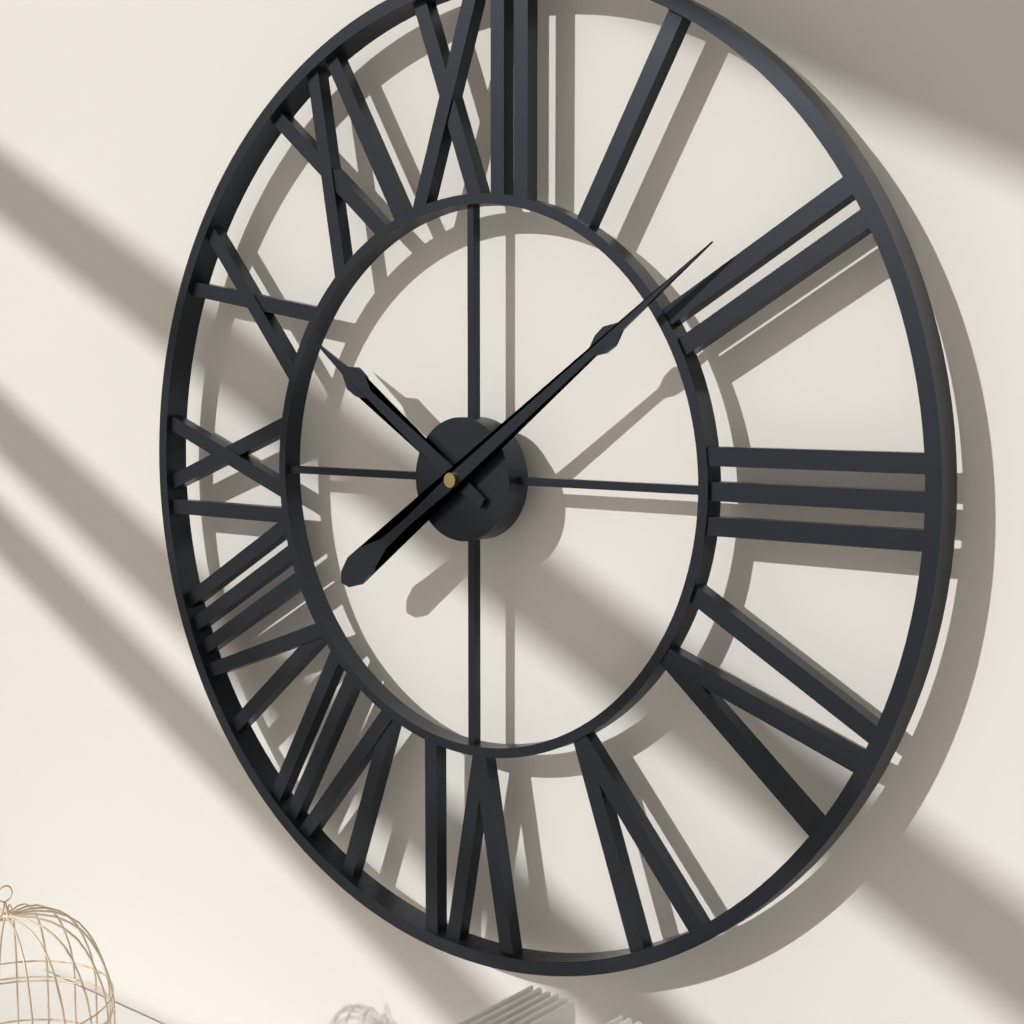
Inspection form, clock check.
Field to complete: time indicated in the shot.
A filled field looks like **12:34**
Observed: **10:09**
